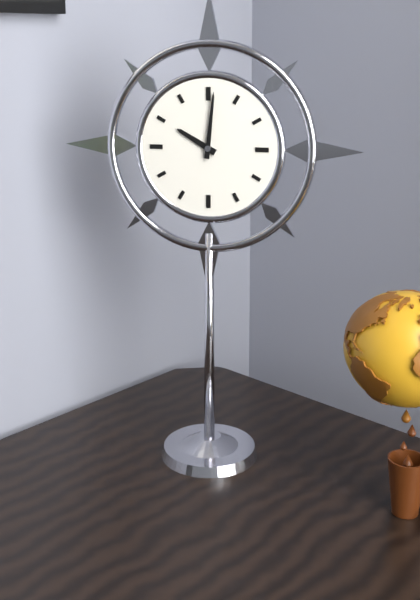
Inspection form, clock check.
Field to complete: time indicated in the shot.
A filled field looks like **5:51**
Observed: **10:01**
